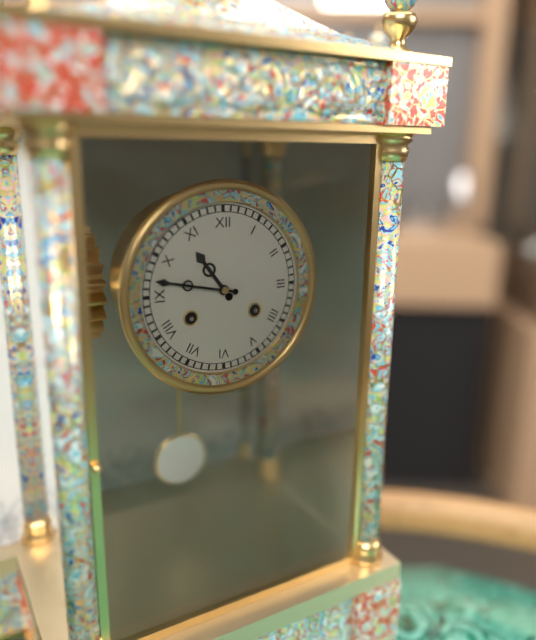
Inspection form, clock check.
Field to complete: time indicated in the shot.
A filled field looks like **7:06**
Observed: **10:47**
